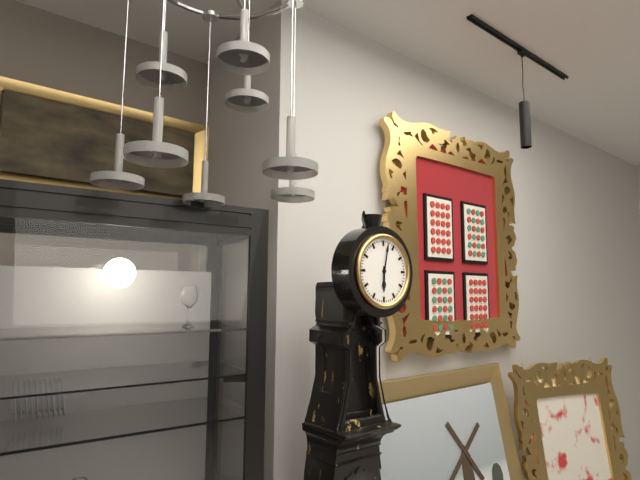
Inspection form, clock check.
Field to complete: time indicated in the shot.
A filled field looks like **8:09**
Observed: **6:02**
